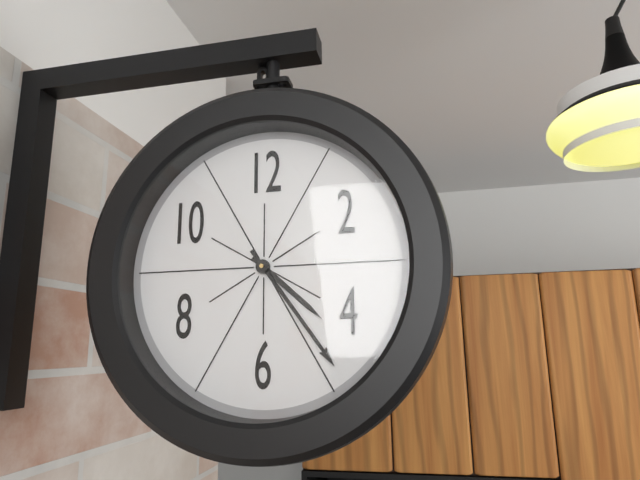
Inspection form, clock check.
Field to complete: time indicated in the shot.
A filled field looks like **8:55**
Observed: **4:24**
